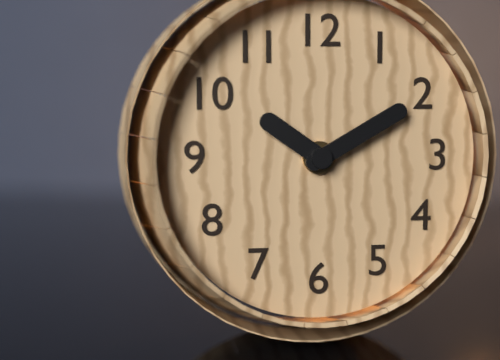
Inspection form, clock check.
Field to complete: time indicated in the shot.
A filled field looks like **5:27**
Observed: **10:10**
